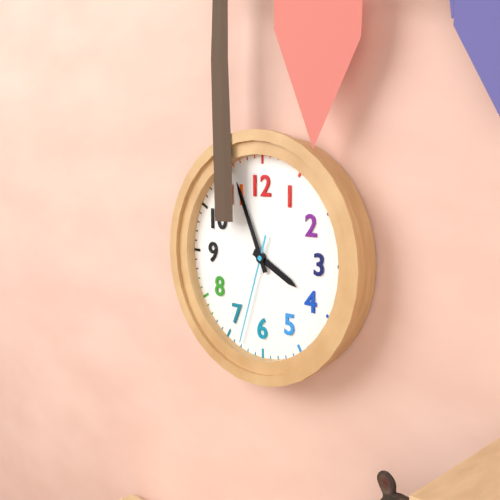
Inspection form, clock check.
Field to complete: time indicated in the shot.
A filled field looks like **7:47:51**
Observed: **3:56:33**
